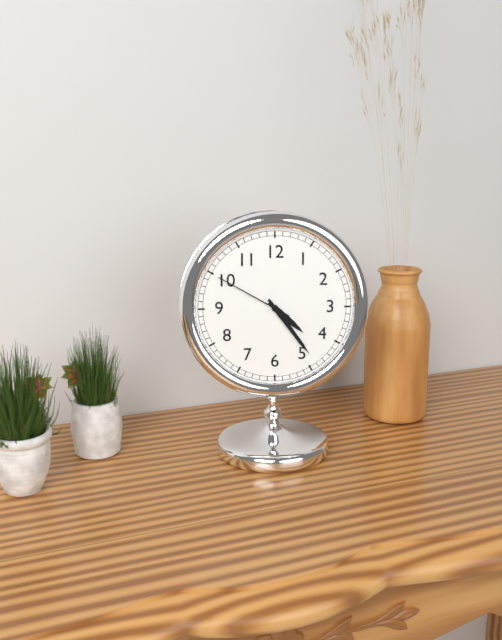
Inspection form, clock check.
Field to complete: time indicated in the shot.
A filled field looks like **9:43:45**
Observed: **4:24:50**
